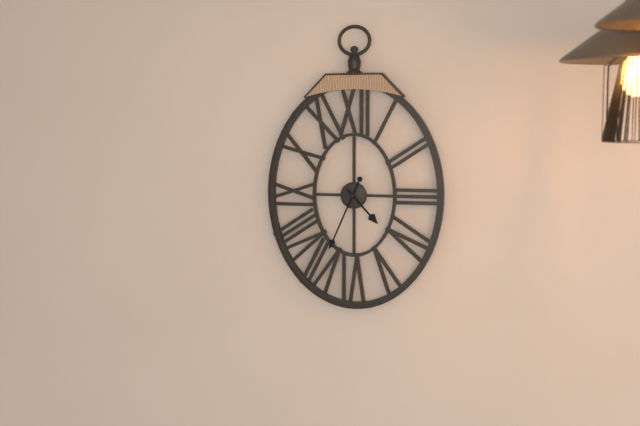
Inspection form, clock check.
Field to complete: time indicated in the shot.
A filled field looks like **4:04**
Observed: **4:34**
